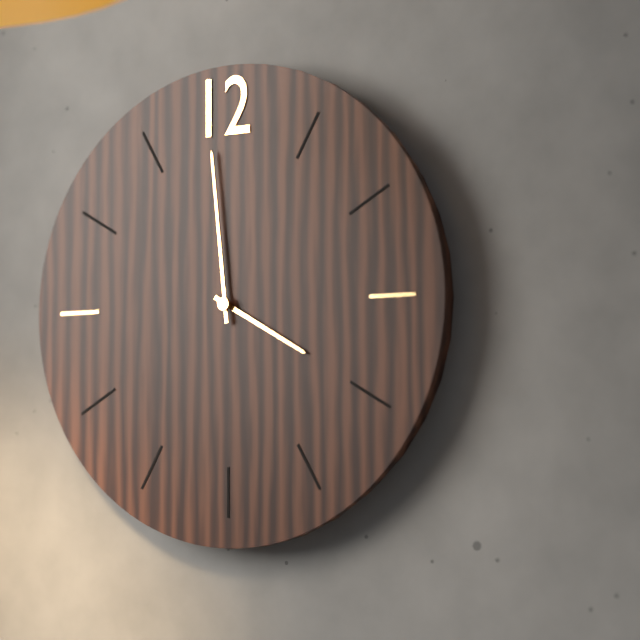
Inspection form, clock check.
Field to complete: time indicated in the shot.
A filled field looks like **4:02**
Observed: **3:59**
